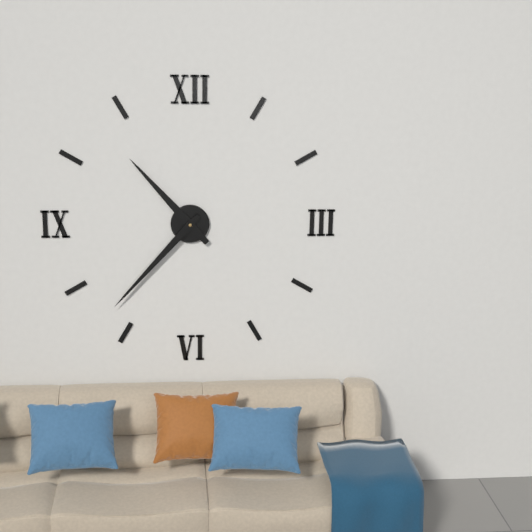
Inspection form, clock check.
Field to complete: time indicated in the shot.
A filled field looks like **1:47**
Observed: **10:37**
